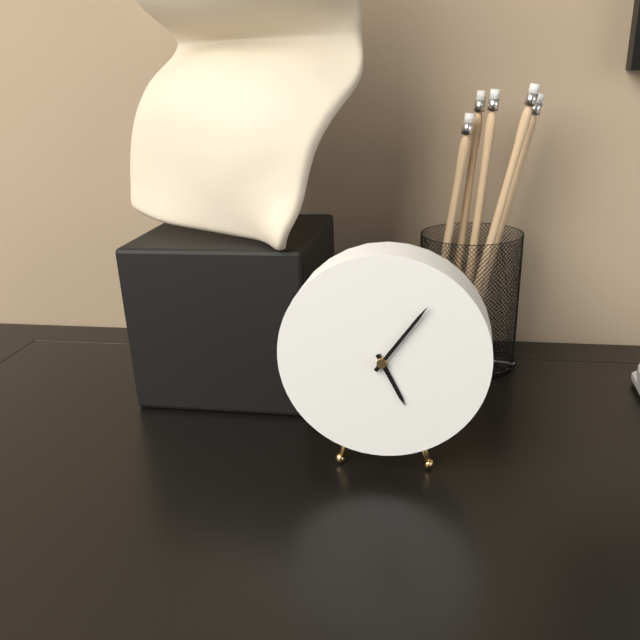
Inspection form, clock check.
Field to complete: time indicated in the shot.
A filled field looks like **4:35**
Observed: **5:06**
